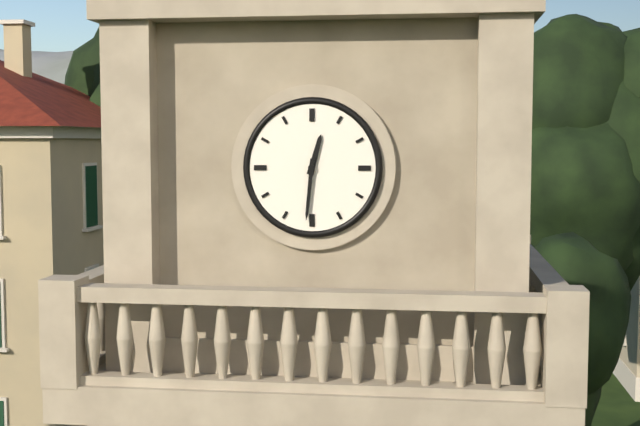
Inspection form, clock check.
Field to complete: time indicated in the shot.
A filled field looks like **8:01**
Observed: **12:31**
